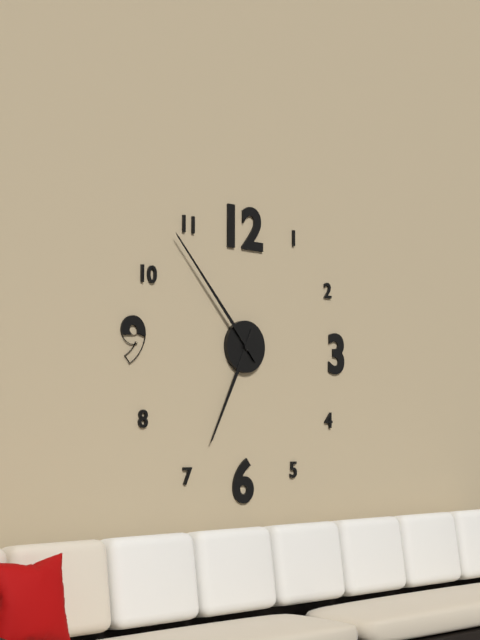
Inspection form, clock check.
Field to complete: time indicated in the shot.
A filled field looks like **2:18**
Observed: **6:53**
